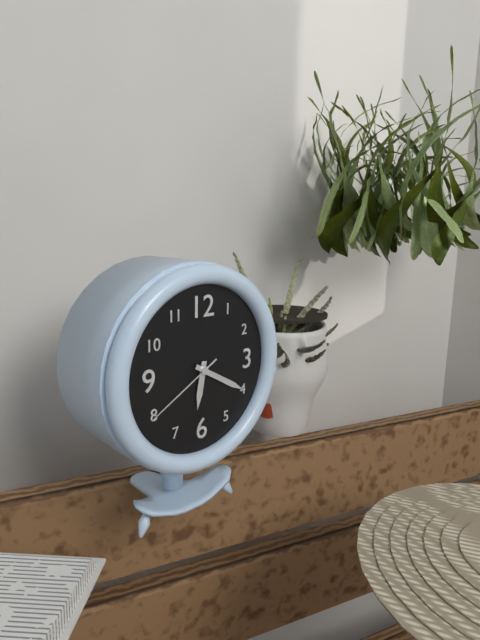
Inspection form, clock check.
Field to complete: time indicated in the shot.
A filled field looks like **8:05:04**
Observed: **6:20:40**
